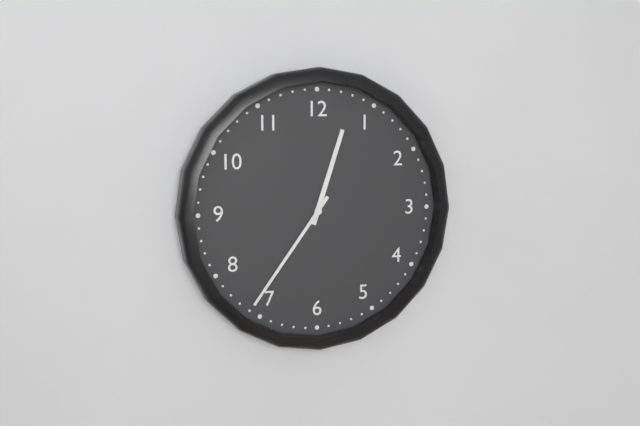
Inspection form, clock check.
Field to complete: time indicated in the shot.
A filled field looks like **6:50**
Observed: **12:36**
